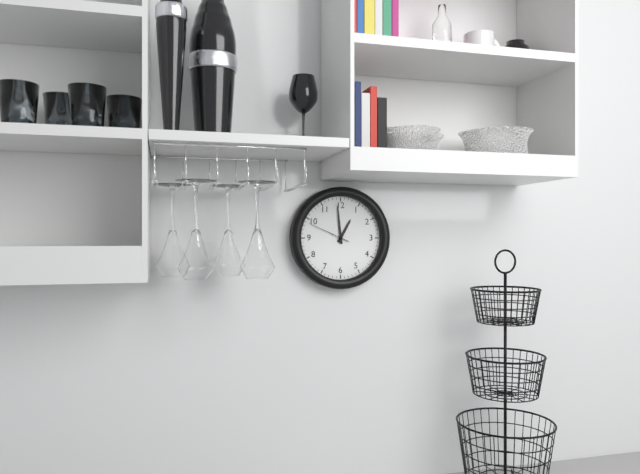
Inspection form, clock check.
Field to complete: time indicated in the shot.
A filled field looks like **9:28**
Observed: **12:59**
